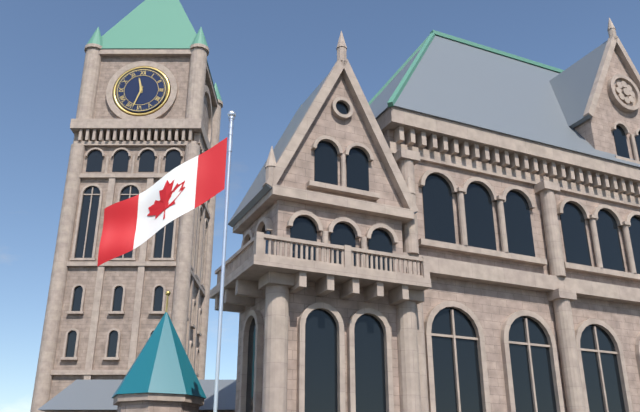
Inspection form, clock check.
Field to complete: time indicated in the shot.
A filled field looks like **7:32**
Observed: **11:33**
